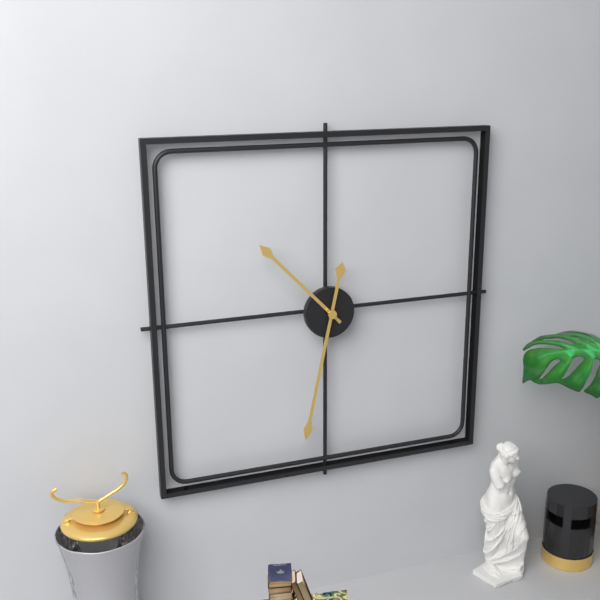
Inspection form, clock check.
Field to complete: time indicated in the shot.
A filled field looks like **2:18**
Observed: **10:32**
